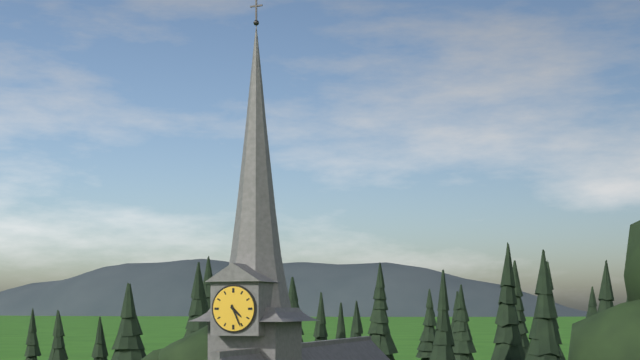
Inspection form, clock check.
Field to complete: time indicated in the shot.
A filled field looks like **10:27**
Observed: **4:26**
